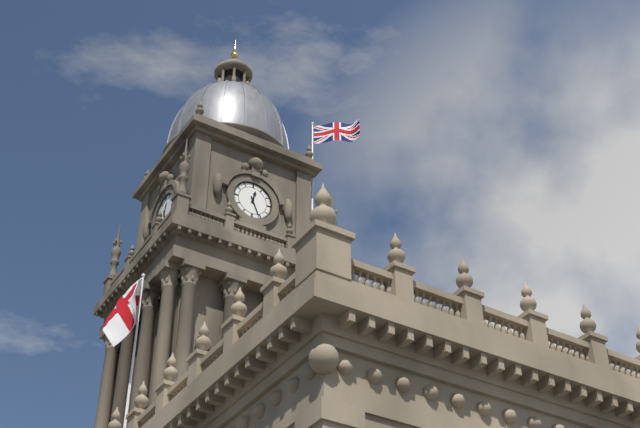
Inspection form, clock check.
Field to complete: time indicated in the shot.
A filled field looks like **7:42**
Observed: **12:26**
